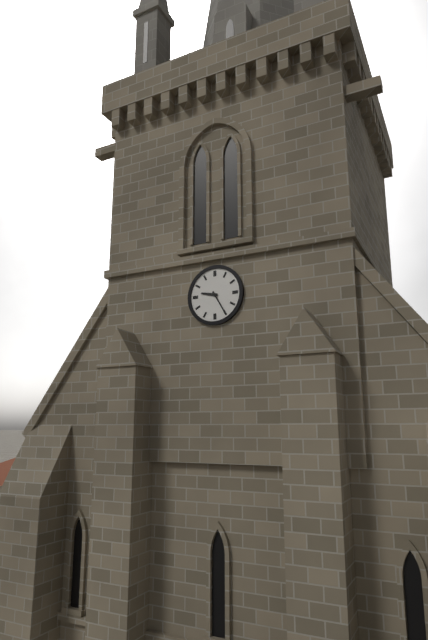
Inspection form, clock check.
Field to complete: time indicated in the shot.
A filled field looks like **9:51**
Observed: **9:25**
